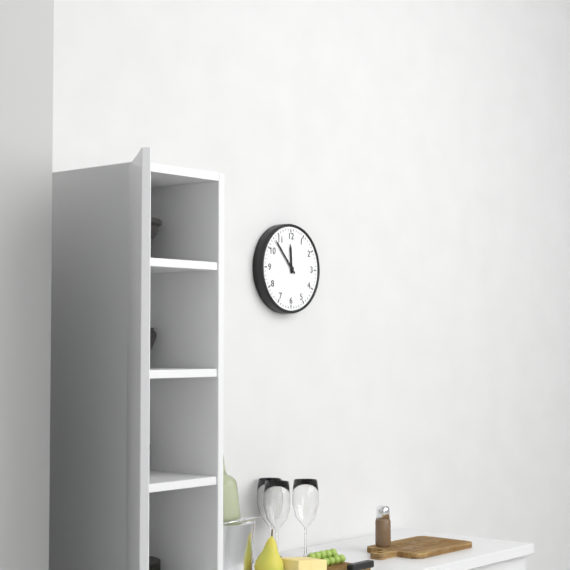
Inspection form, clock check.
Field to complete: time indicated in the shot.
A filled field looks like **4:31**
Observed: **11:53**
